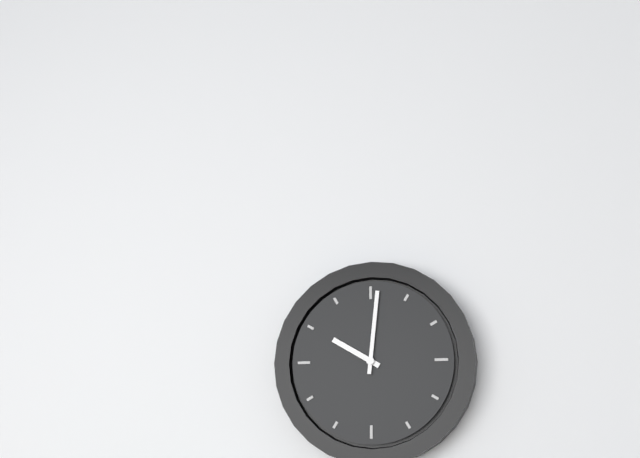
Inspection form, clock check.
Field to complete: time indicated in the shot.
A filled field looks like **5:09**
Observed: **10:01**
